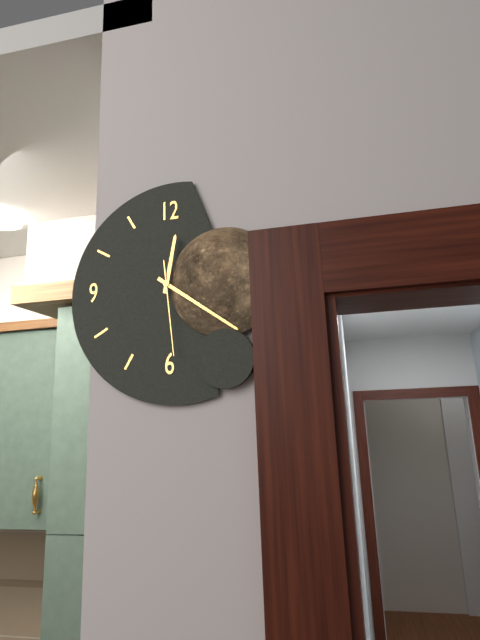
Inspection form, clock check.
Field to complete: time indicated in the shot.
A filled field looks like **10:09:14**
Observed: **12:21:29**
